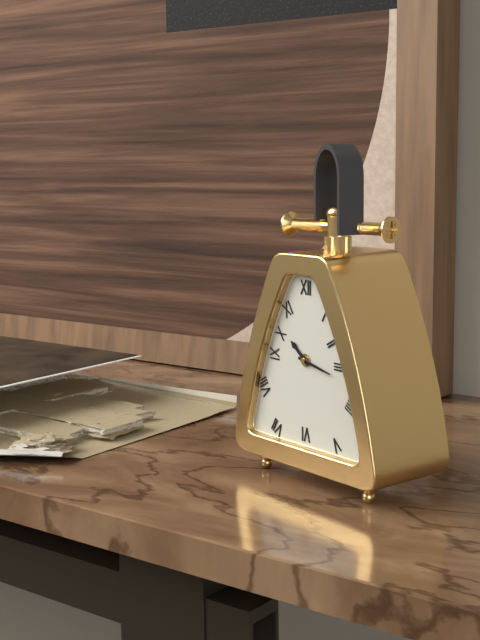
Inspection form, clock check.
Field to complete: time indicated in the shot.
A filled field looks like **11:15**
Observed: **10:17**
